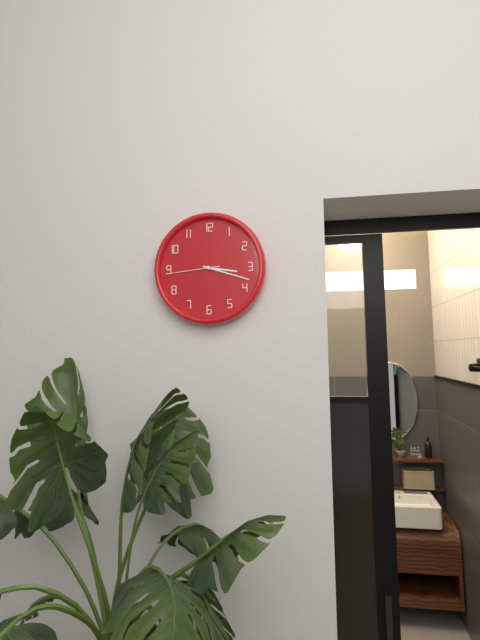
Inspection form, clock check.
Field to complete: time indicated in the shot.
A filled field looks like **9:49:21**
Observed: **3:18:44**
